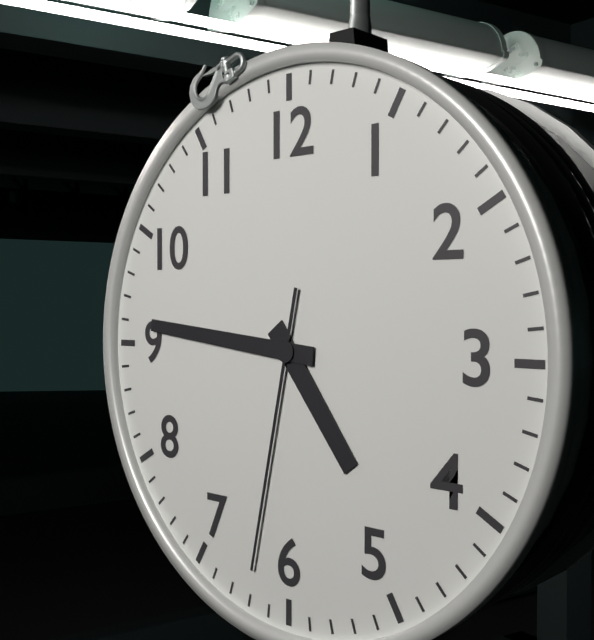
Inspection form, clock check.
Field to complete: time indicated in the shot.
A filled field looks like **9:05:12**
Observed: **4:46:32**
